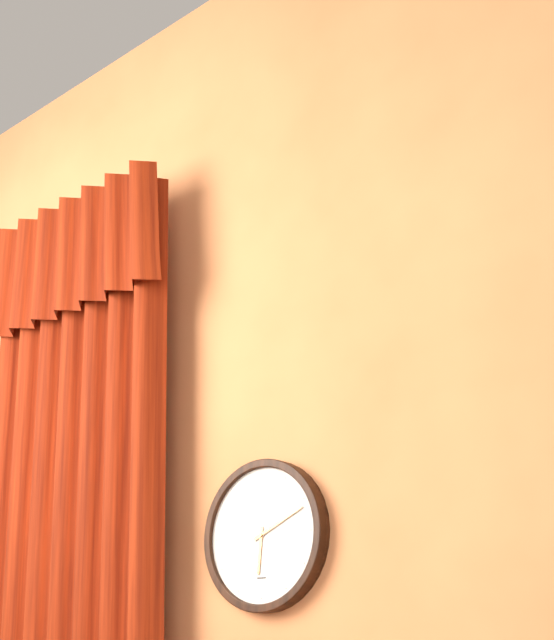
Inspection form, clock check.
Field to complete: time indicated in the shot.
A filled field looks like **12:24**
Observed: **6:11**
